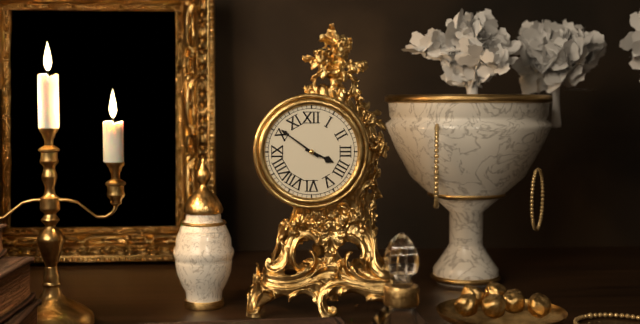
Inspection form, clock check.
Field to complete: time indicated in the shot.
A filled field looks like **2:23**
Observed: **3:51**
